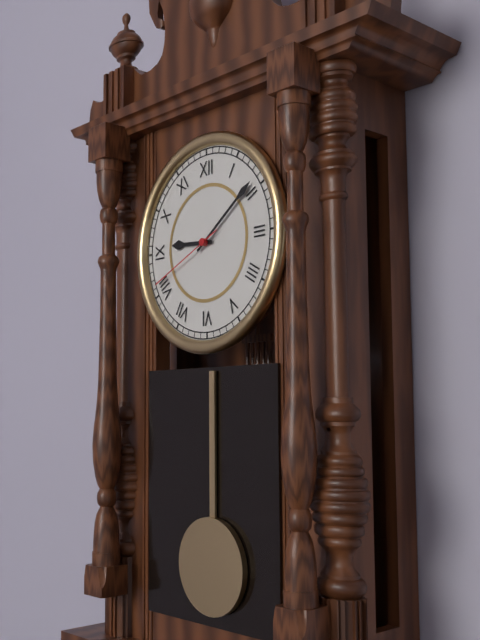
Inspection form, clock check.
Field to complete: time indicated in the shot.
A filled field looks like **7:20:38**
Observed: **9:09:41**
